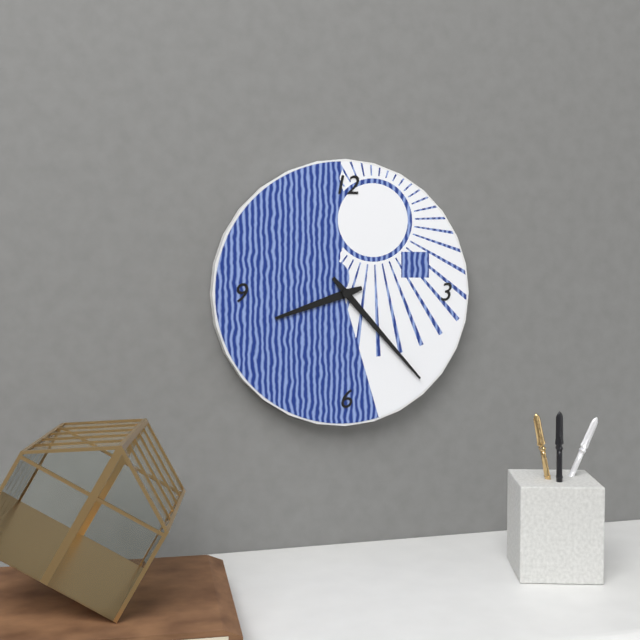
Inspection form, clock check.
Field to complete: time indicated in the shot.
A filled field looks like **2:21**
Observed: **8:23**
